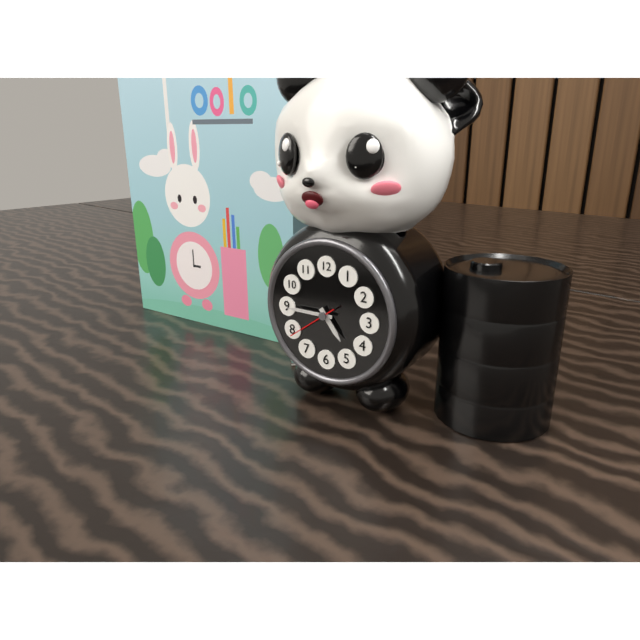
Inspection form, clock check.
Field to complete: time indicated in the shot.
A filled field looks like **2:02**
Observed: **4:45**
